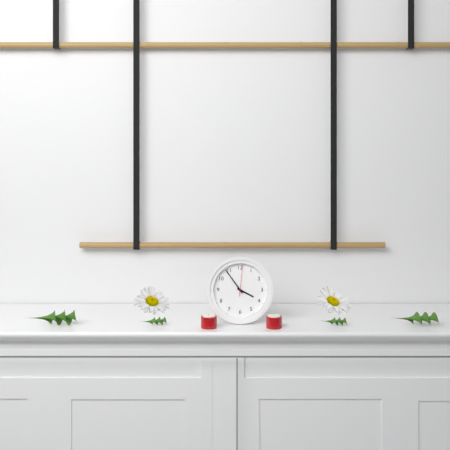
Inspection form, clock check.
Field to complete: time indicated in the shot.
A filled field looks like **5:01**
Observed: **3:54**
